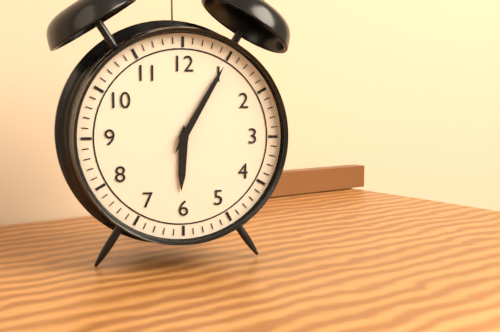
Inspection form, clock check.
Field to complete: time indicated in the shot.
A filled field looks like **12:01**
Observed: **6:05**
